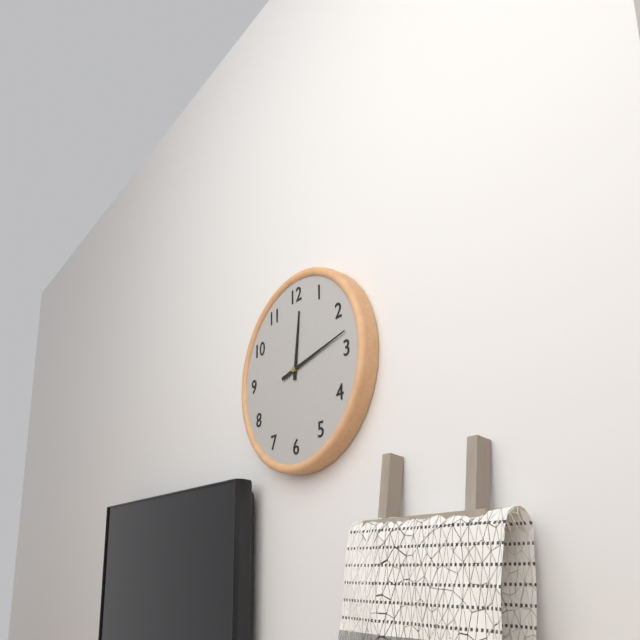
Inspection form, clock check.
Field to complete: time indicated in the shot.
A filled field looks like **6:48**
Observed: **12:13**
